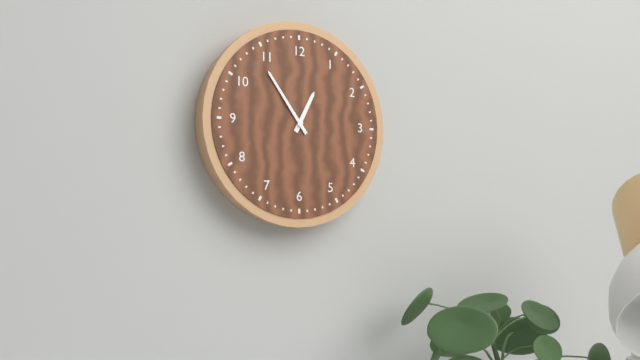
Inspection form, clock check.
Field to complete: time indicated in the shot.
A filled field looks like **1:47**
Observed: **12:54**
